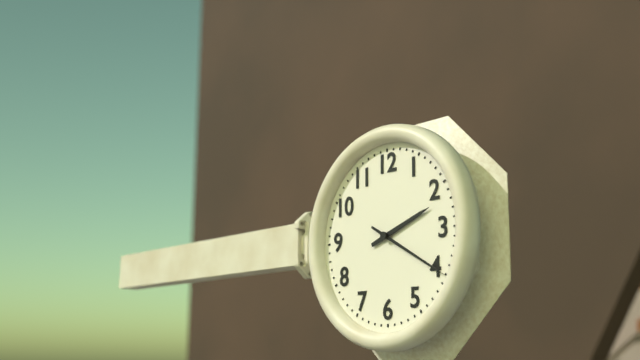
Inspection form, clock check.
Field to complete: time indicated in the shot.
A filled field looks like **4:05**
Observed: **2:20**
